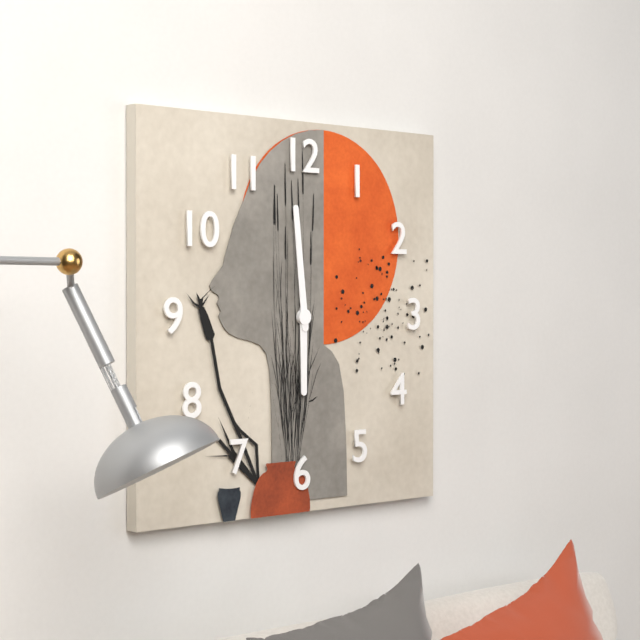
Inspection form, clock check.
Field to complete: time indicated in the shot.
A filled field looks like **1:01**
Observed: **5:59**
